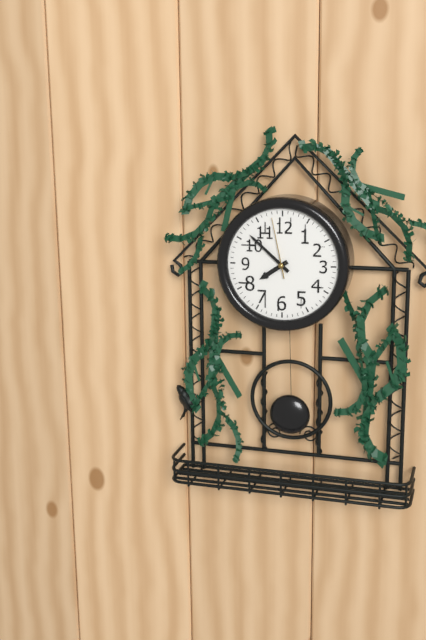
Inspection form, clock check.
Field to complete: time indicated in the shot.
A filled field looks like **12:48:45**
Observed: **7:52:58**
